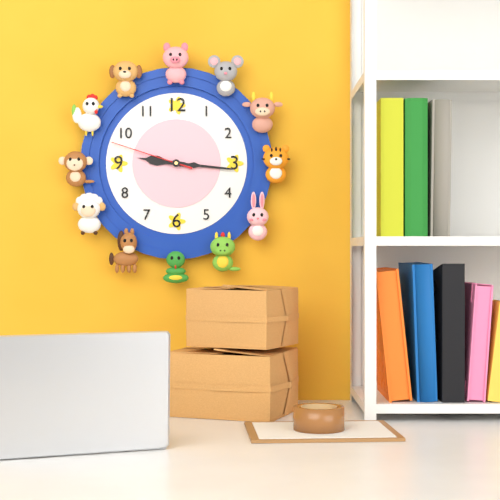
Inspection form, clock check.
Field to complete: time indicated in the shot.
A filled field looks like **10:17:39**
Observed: **9:16:48**
